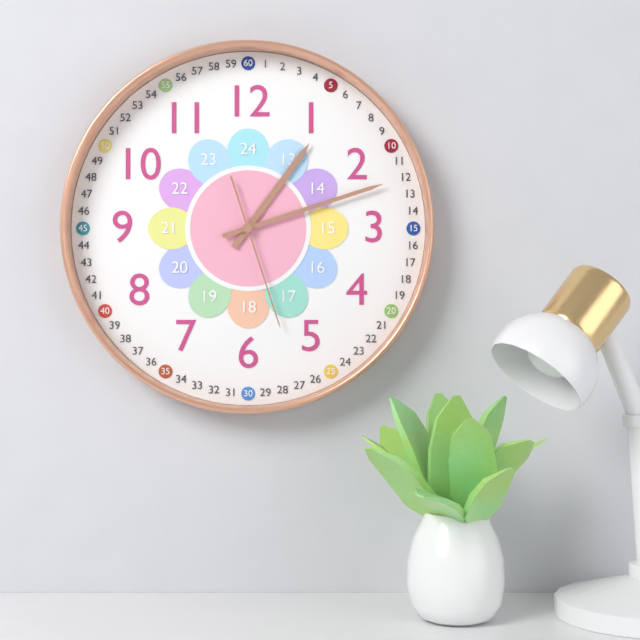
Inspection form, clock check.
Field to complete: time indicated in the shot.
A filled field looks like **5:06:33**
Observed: **1:12:27**
